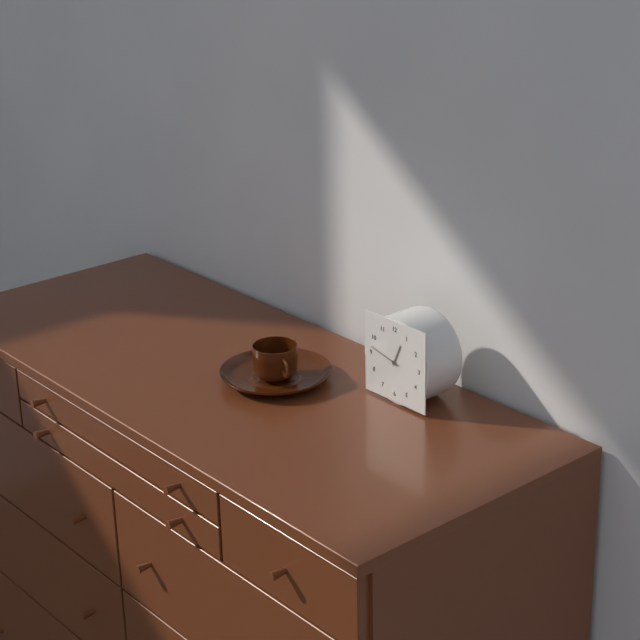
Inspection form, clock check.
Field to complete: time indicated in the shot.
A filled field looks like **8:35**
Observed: **12:47**
